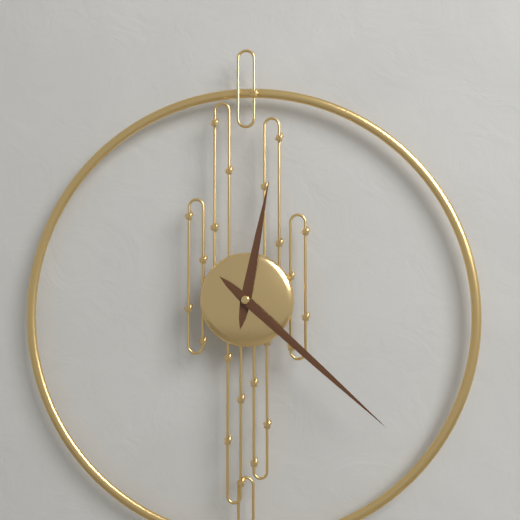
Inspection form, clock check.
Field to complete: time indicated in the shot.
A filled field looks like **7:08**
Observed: **12:22**
